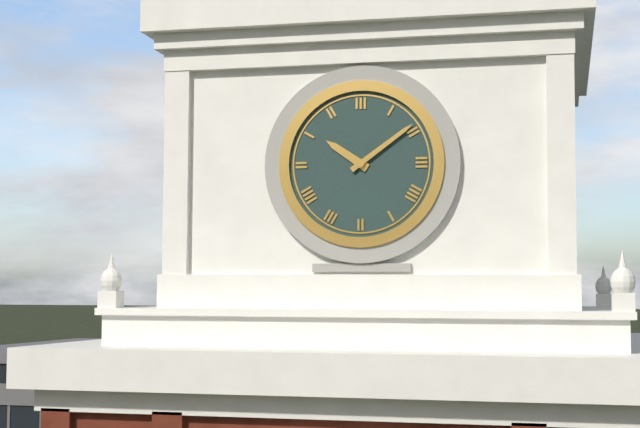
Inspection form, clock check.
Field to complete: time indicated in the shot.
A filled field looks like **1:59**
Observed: **10:09**
